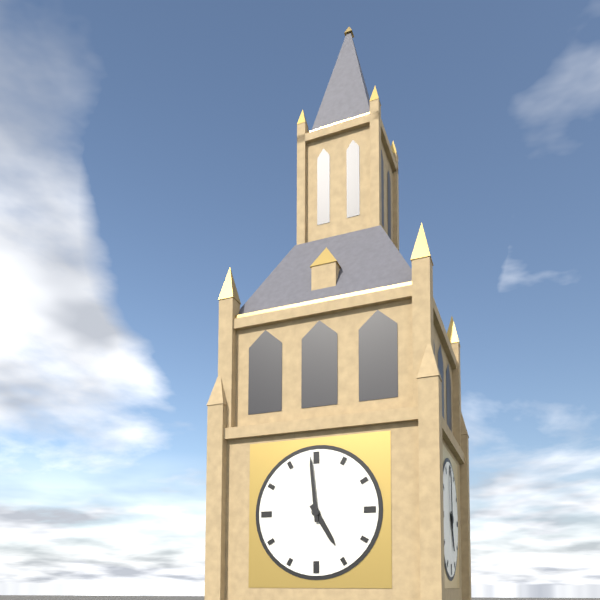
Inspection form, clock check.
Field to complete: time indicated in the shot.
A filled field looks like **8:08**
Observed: **4:59**
